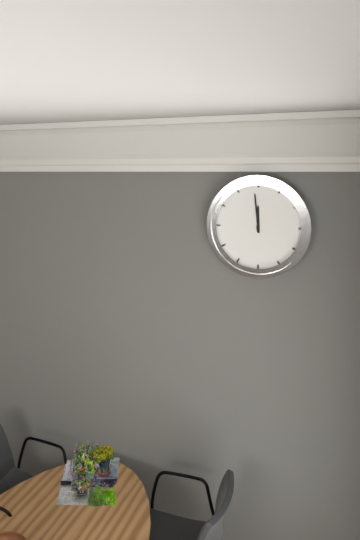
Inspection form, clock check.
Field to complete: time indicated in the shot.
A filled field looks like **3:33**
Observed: **11:59**
